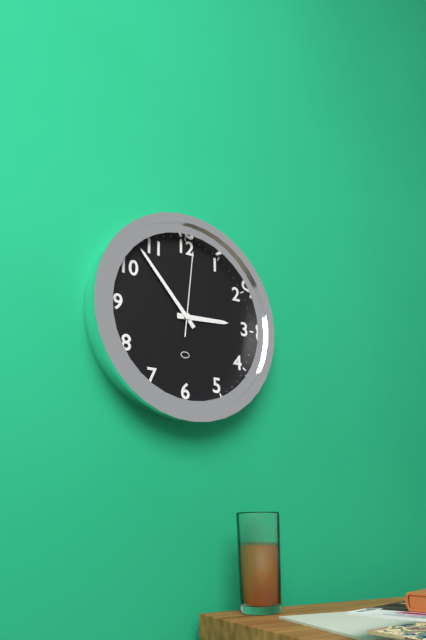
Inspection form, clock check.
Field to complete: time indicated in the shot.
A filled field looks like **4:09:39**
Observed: **2:53:01**
